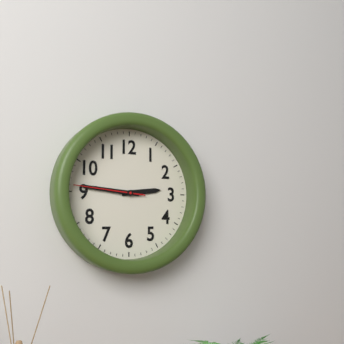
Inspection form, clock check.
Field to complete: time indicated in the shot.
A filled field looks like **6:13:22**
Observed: **2:46:46**
